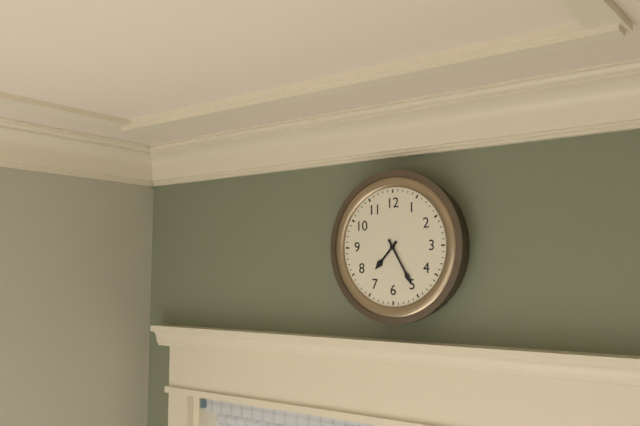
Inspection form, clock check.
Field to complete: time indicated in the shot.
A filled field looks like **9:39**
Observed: **7:25**
